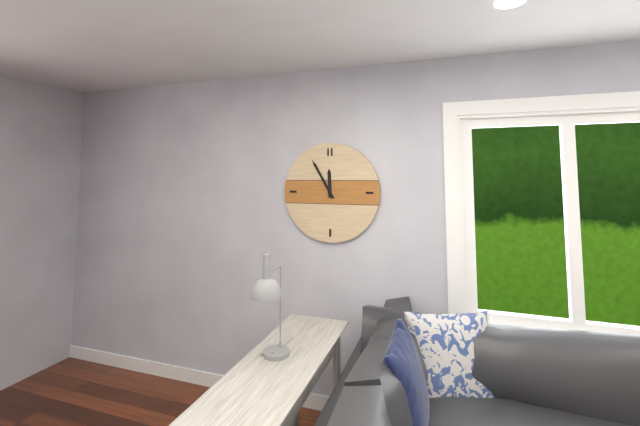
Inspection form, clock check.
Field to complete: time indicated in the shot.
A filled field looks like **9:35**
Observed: **11:55**
